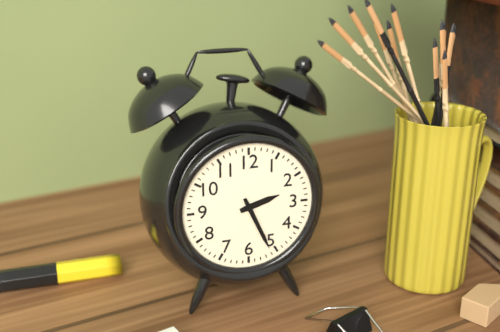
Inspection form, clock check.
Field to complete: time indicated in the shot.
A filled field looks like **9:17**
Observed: **2:26**
